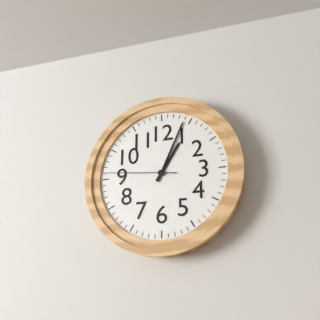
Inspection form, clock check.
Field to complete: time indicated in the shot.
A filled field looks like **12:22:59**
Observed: **1:04:46**
